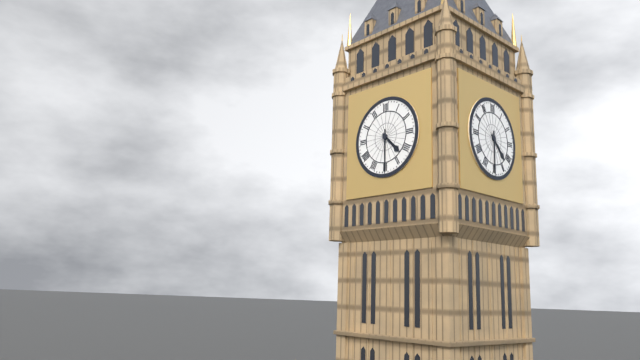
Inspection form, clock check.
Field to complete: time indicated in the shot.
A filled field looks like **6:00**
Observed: **4:30**
